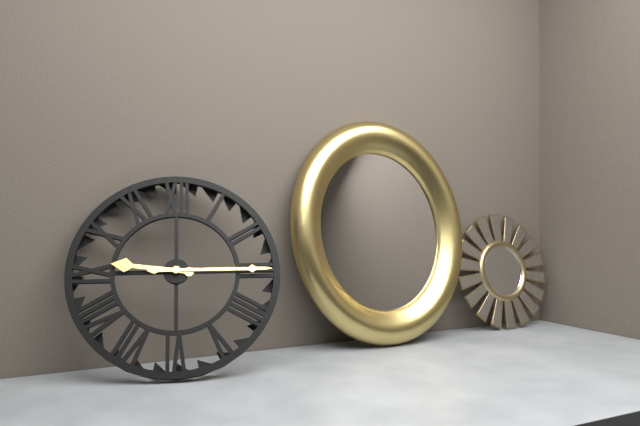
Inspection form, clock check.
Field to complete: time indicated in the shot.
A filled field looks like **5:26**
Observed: **9:15**
